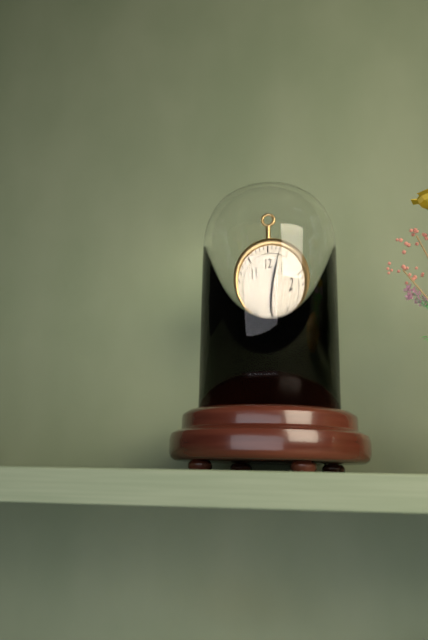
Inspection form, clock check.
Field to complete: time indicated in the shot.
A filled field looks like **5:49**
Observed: **9:03**
